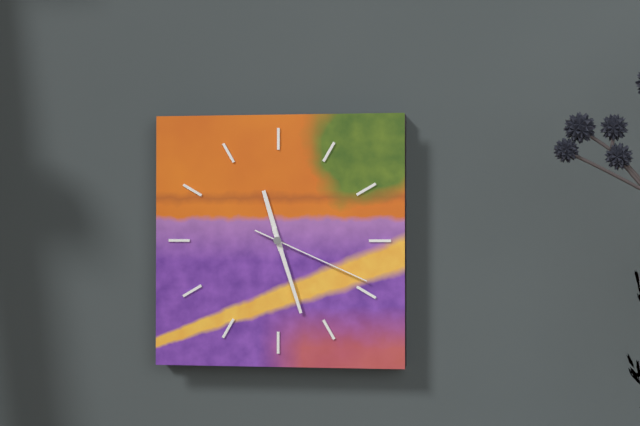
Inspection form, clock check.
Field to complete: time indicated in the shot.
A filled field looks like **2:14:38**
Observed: **11:27:19**
